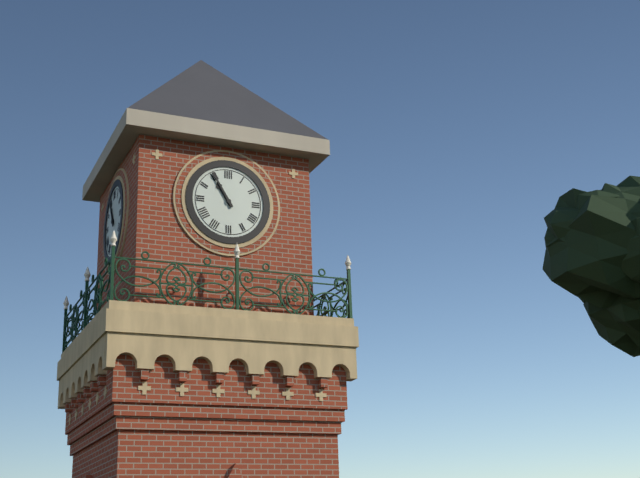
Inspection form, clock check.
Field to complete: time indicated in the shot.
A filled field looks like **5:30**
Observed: **10:55**
